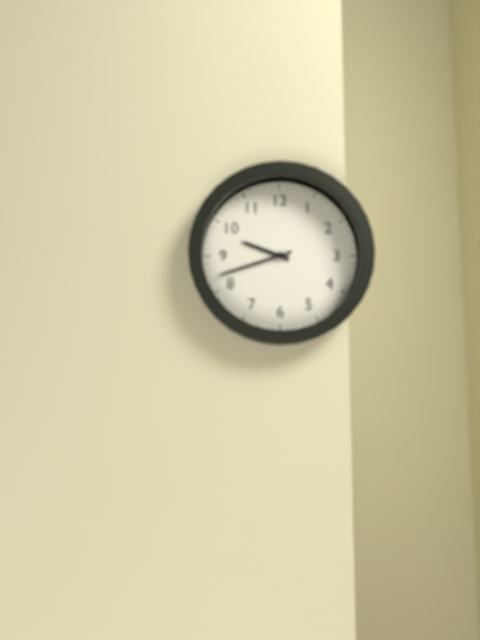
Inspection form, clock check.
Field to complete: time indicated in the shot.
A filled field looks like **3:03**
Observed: **9:42**
